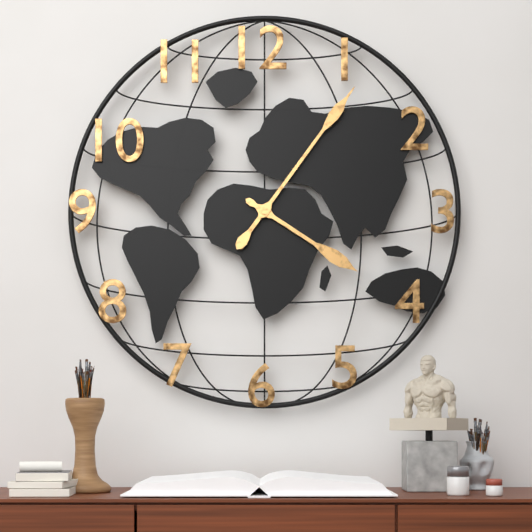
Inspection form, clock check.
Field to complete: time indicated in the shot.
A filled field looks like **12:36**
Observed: **4:06**
